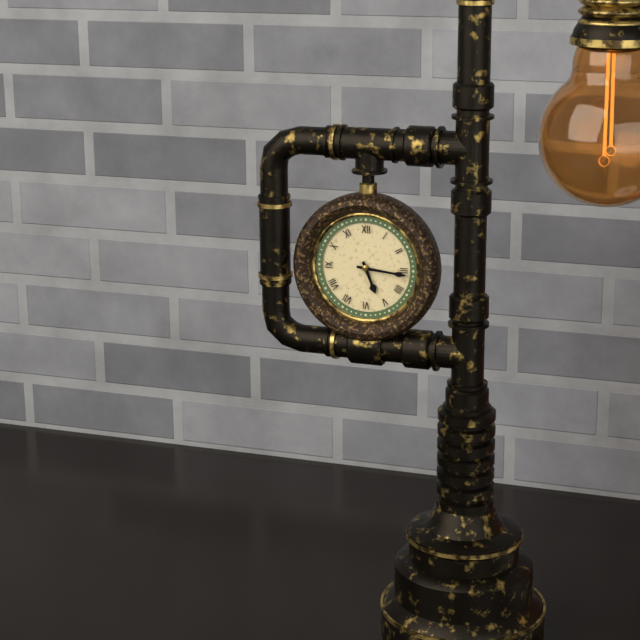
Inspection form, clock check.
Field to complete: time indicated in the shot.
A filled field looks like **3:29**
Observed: **5:16**
